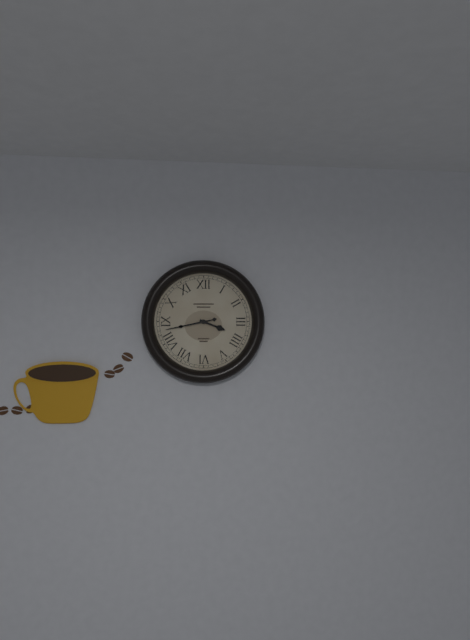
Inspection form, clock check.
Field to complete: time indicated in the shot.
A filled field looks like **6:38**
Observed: **3:43**
